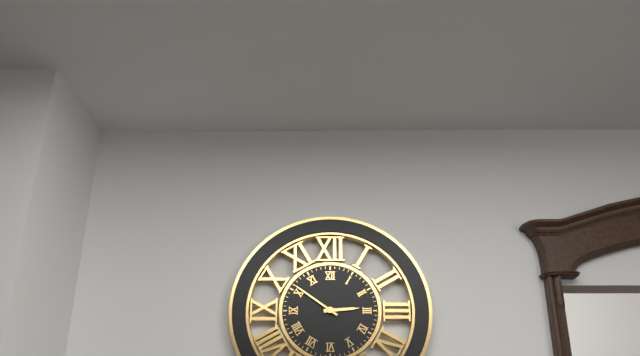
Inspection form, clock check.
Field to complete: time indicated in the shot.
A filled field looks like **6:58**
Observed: **2:51**
